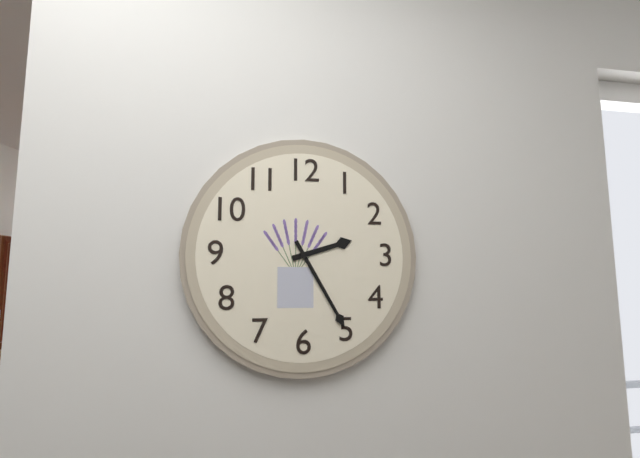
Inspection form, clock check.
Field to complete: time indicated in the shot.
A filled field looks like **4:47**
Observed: **2:25**
